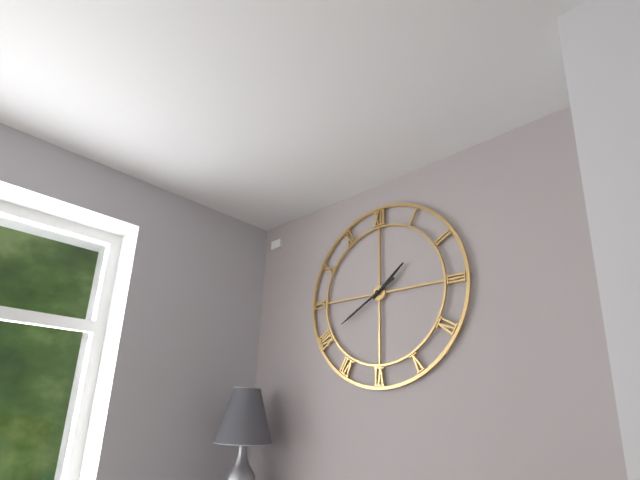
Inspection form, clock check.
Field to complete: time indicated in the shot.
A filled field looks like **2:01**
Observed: **1:40**
